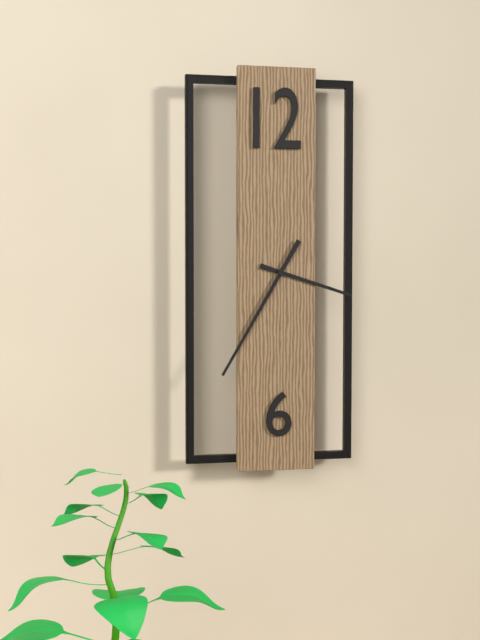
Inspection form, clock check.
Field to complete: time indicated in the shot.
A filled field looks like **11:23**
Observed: **3:35**
